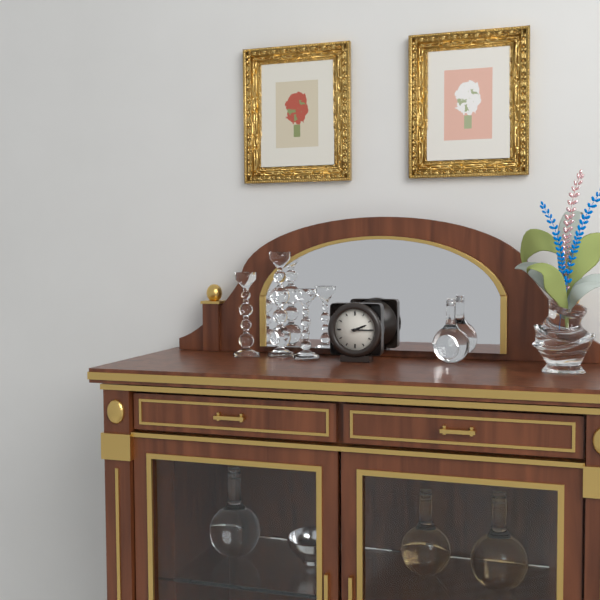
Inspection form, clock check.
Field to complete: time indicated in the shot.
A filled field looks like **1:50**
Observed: **2:15**
